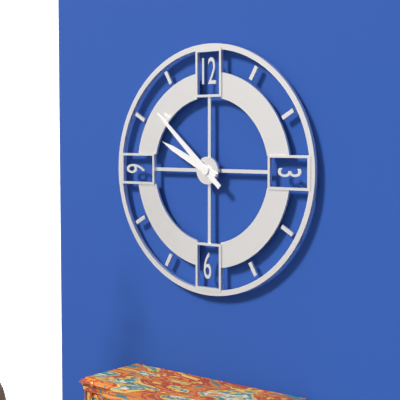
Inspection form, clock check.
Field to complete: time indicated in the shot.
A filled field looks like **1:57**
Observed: **9:52**
